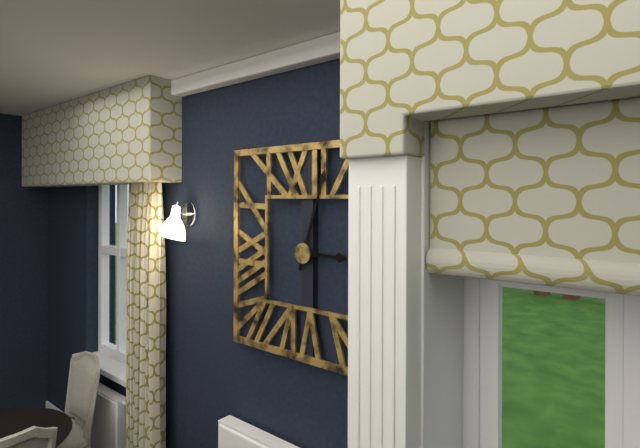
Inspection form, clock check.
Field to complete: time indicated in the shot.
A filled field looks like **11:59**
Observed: **3:03**
